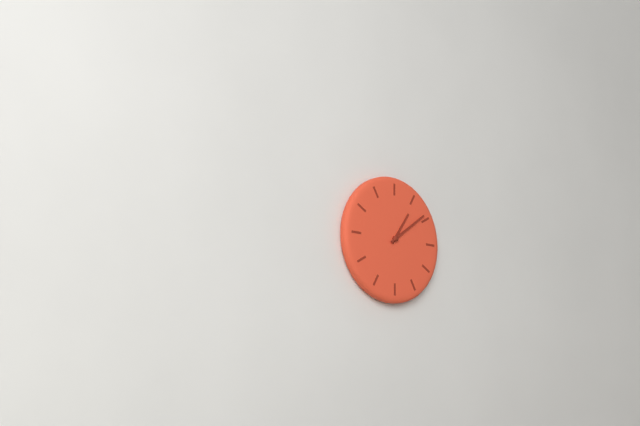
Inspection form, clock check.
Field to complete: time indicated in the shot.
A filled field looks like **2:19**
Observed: **1:09**
